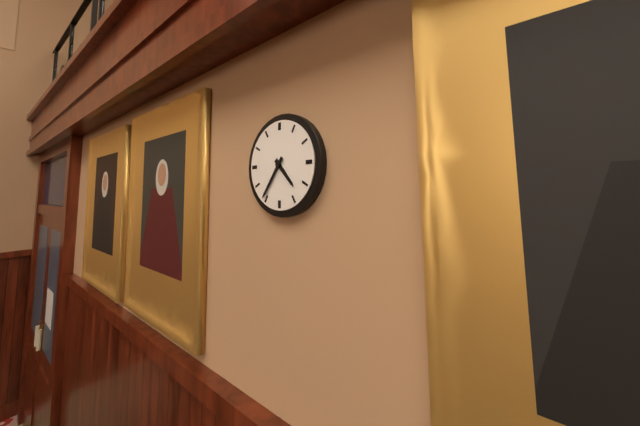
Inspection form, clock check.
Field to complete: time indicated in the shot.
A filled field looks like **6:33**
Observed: **4:36**
